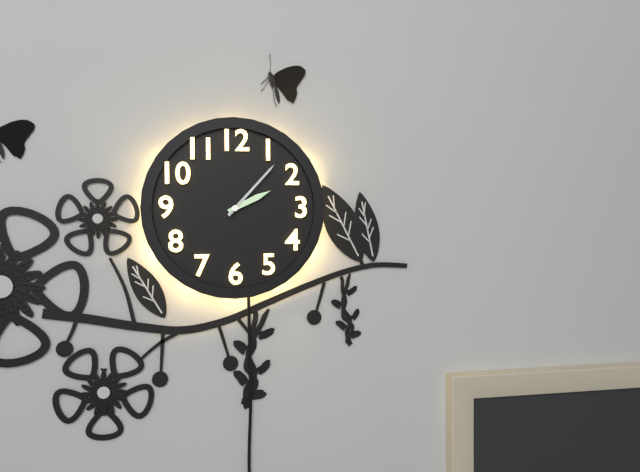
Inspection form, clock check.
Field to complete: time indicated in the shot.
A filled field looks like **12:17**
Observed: **2:07**
